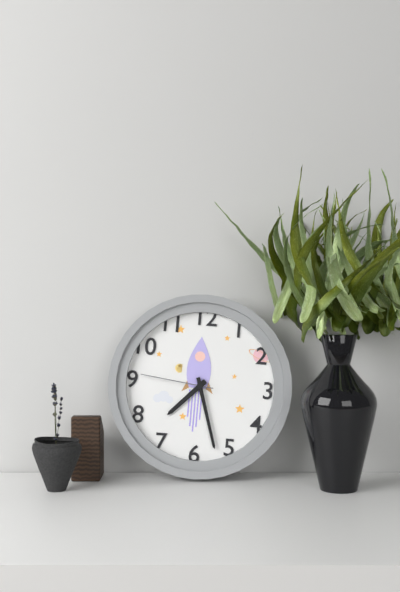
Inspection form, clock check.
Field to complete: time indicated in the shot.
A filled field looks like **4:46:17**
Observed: **7:27:46**
